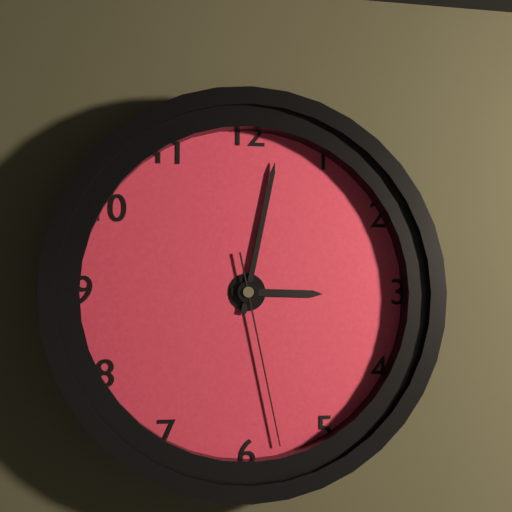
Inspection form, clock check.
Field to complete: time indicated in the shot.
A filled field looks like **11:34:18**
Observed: **3:02:28**
